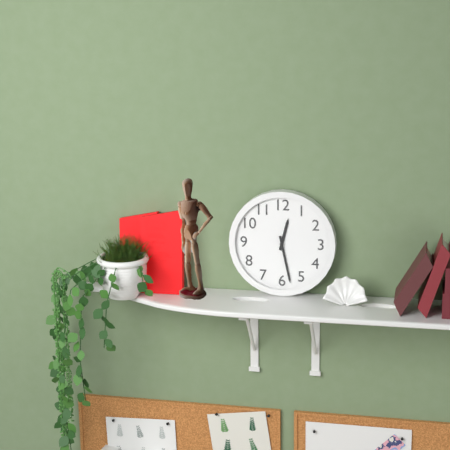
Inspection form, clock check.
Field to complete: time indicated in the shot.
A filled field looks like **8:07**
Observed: **12:28**
